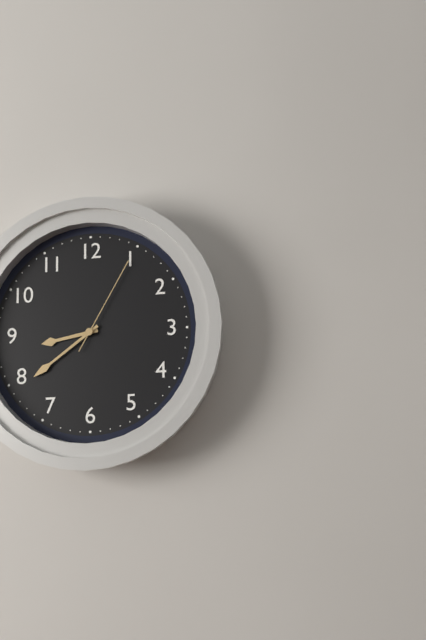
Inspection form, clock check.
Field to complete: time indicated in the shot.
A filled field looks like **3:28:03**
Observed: **8:39:05**
